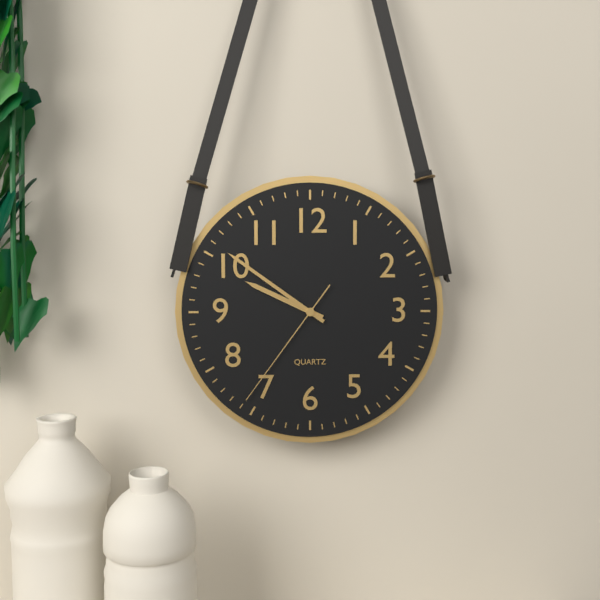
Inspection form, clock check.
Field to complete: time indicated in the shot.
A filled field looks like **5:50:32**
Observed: **9:51:36**
